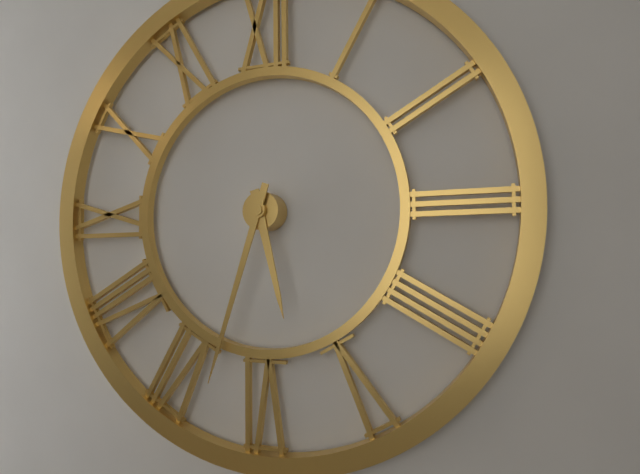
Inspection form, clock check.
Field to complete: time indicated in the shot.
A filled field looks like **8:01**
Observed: **5:33**
